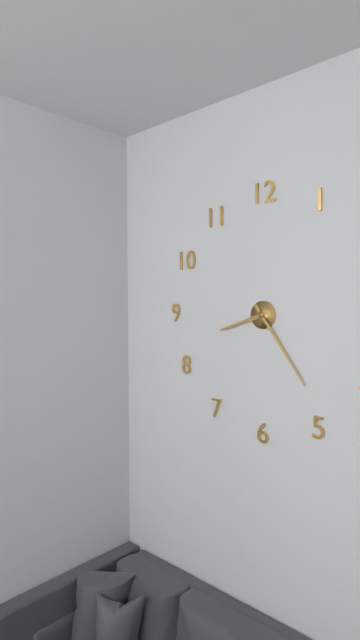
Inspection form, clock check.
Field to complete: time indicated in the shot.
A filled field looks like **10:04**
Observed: **8:24**
